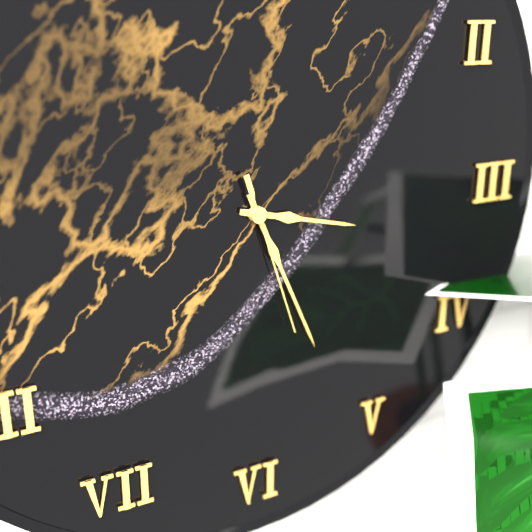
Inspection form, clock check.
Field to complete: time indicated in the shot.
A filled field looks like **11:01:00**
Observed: **3:26:27**
